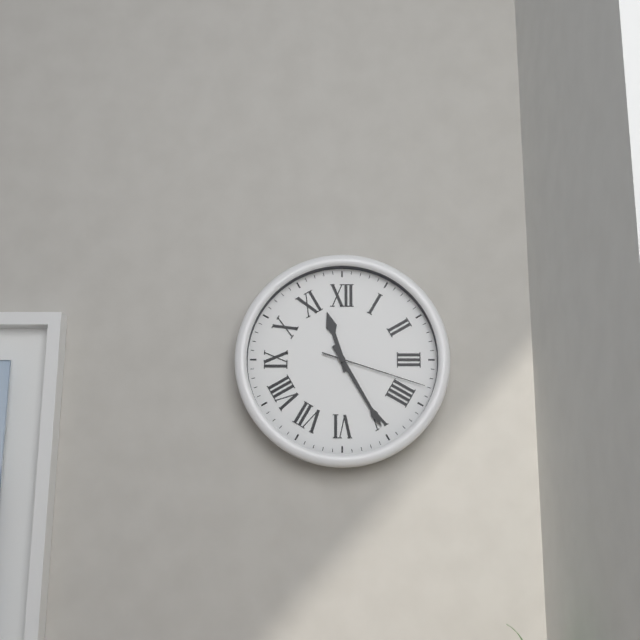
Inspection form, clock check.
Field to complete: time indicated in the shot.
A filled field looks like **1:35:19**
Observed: **11:25:18**
